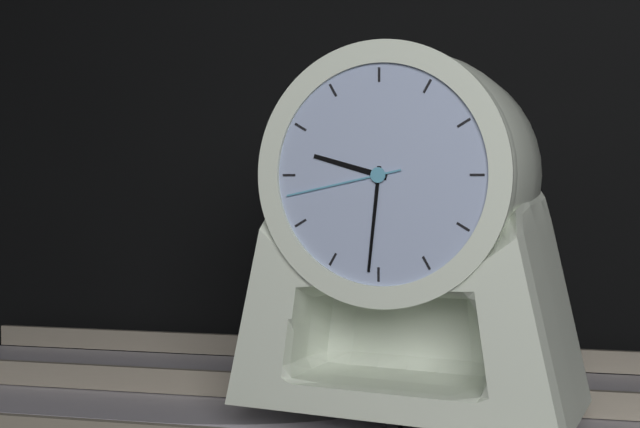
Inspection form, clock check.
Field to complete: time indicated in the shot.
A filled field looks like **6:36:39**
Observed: **9:31:43**
